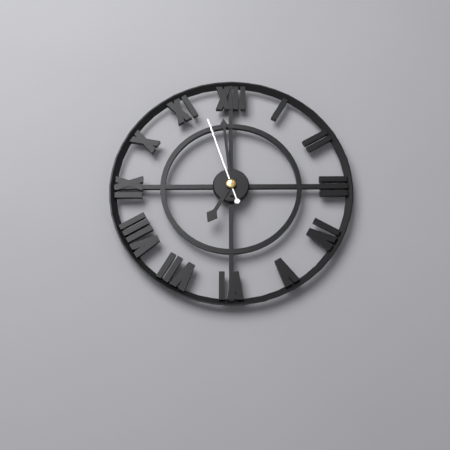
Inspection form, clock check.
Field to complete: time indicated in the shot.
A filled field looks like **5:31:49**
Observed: **6:59:57**
